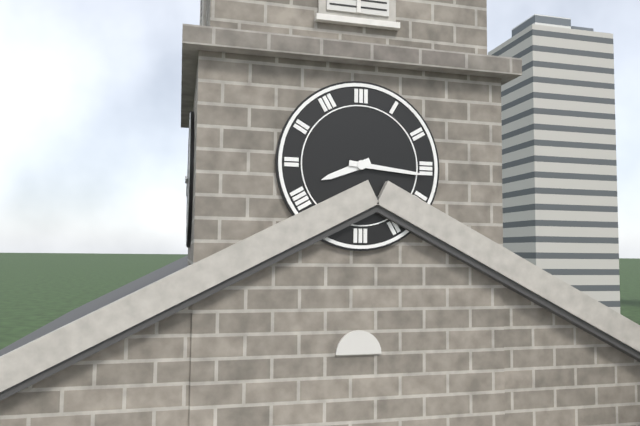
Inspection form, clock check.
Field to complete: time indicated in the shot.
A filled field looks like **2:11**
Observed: **8:16**
